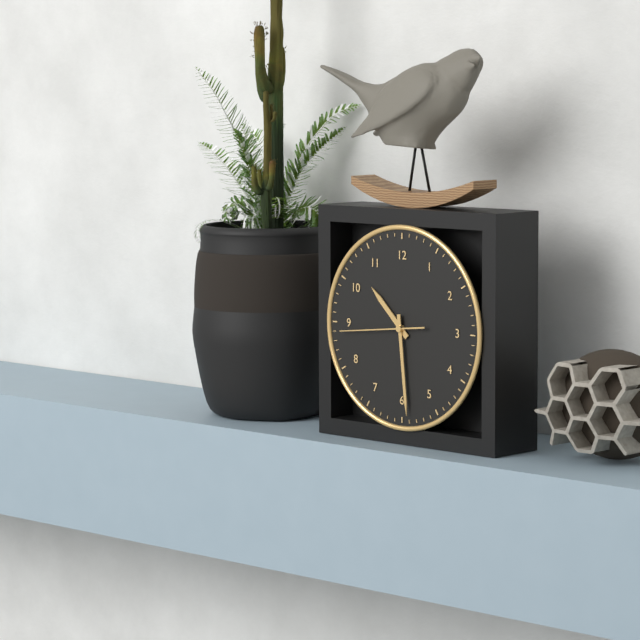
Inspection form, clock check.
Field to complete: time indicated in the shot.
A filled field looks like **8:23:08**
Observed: **10:29:44**
